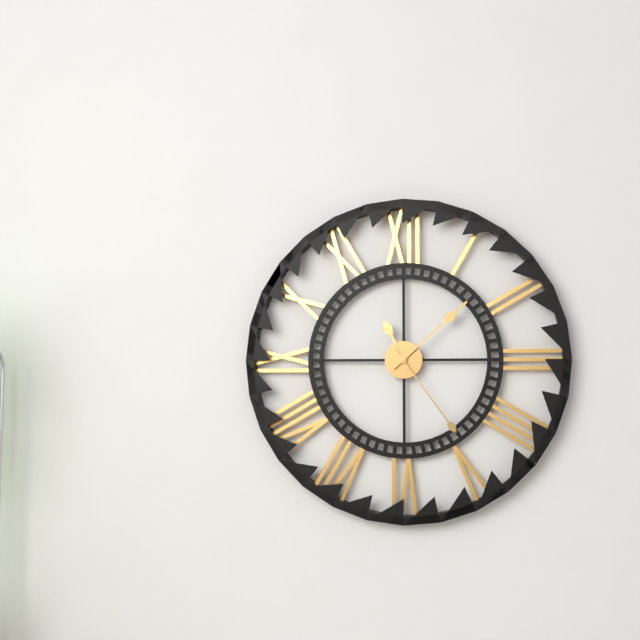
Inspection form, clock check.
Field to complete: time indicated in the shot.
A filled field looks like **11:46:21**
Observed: **11:08:24**
